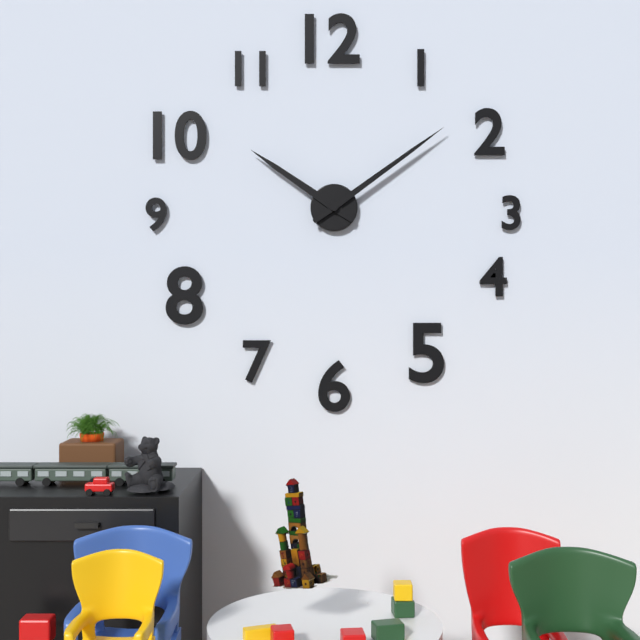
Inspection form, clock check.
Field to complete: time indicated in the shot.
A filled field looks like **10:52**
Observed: **10:09**
